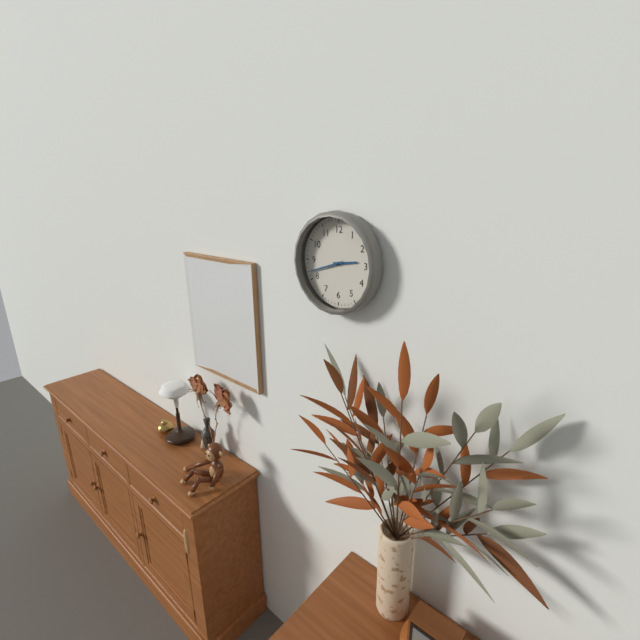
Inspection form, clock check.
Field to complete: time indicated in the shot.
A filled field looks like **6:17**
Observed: **2:42**
